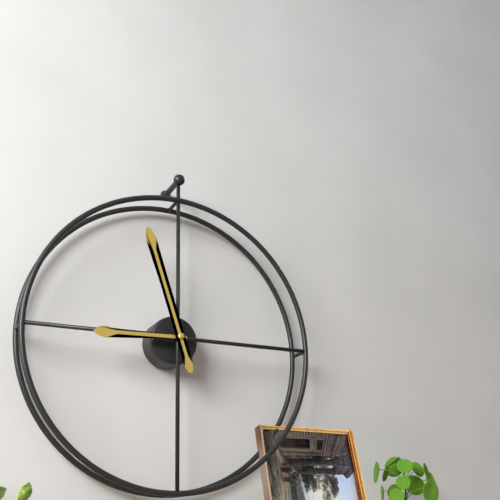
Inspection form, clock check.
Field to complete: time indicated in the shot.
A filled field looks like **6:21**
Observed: **8:57**
